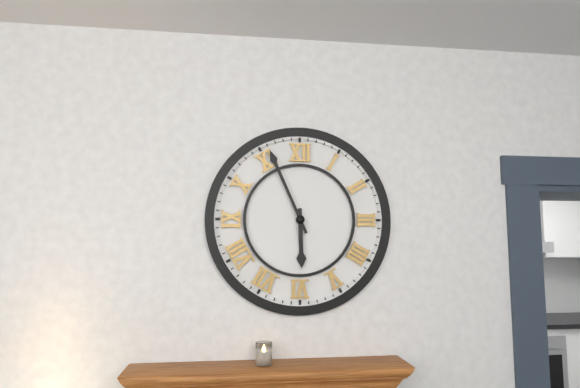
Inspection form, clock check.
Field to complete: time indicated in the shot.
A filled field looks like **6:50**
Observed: **5:56**
